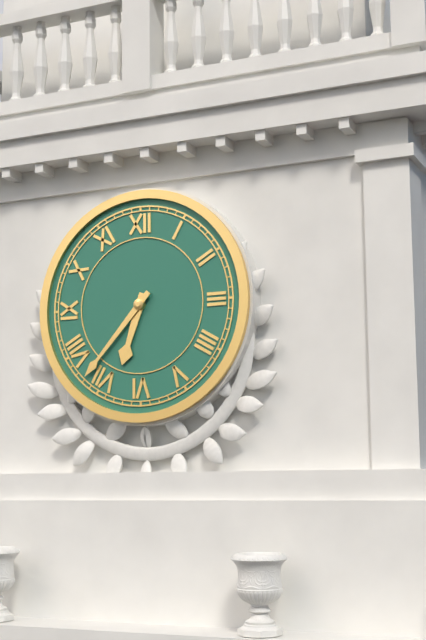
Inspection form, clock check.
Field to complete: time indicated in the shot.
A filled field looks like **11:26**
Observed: **6:37**
